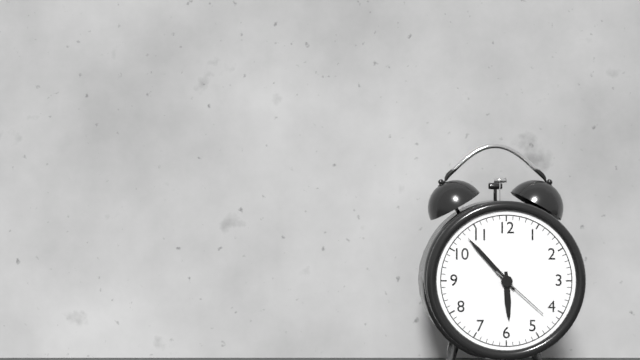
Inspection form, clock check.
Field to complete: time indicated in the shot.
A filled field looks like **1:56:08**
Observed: **5:53:22**
